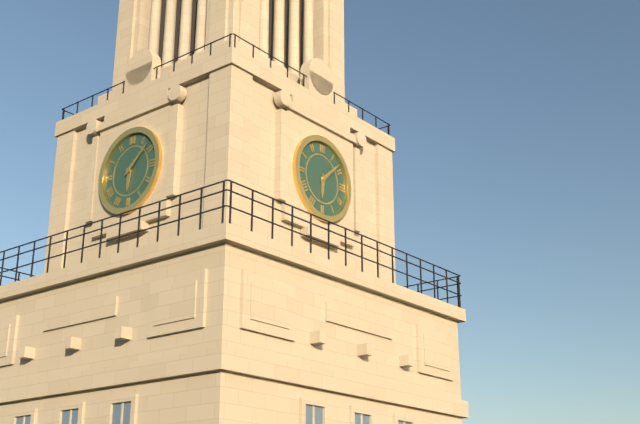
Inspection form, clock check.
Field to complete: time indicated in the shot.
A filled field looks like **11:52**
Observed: **6:08**
